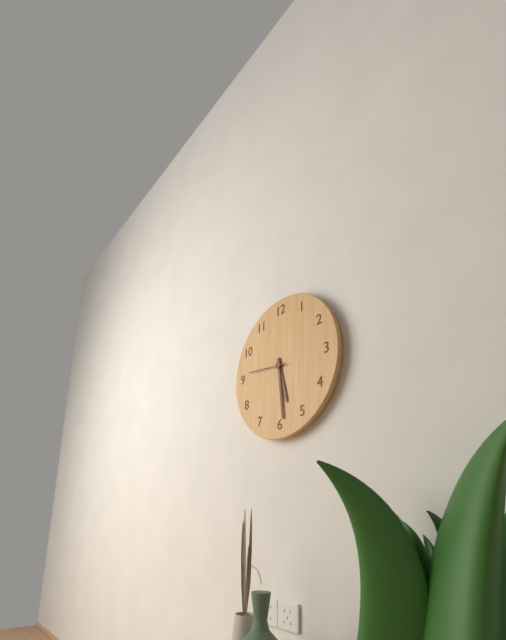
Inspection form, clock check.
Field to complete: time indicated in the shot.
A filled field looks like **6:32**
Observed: **5:29**
